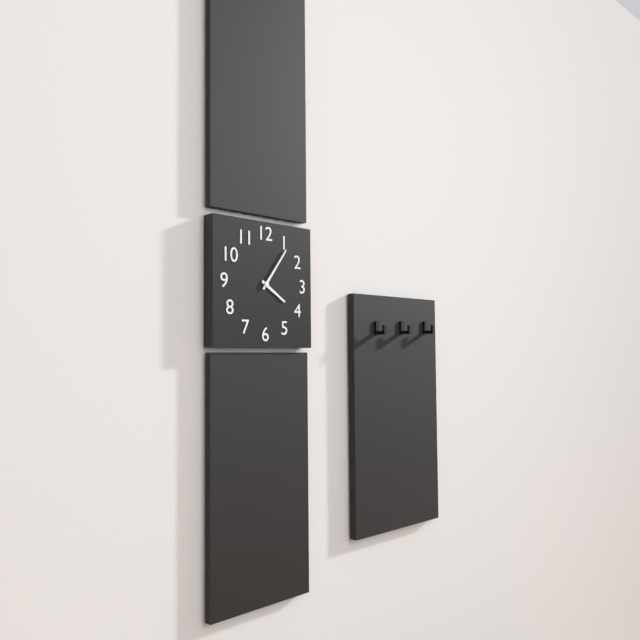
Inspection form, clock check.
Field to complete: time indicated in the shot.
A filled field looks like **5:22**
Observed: **4:06**
